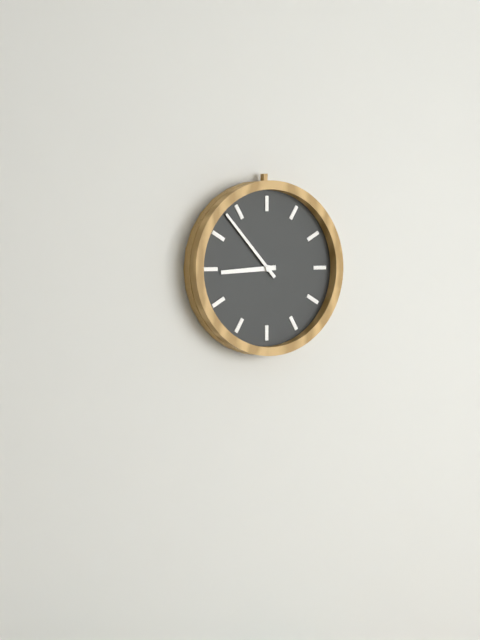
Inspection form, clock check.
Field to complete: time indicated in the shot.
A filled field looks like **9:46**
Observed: **8:53**
